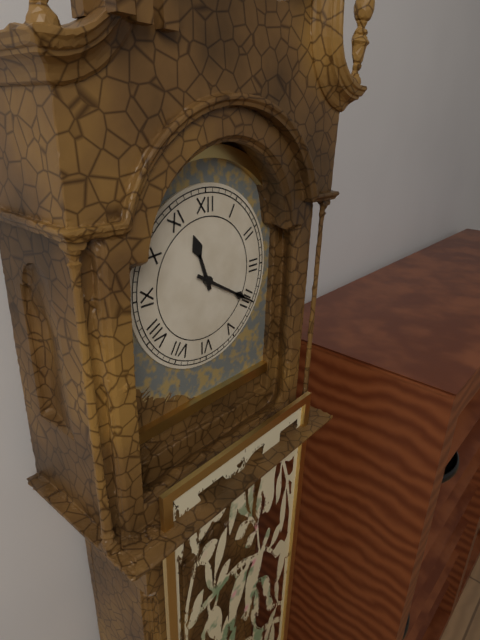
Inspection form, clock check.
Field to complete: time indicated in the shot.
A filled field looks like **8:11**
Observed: **11:20**
